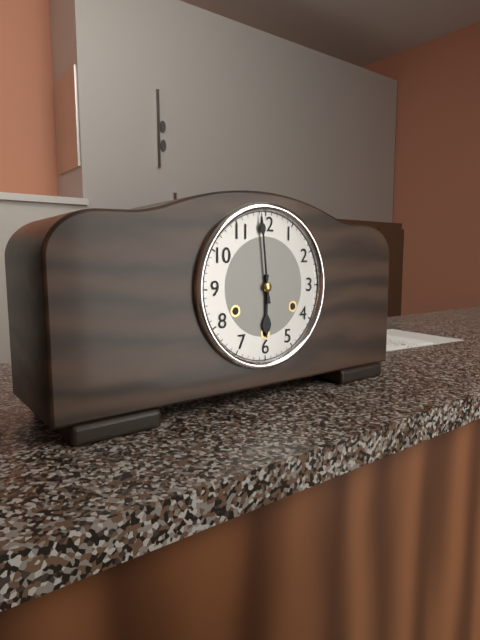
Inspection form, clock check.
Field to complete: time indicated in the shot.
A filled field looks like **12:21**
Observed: **5:59**
